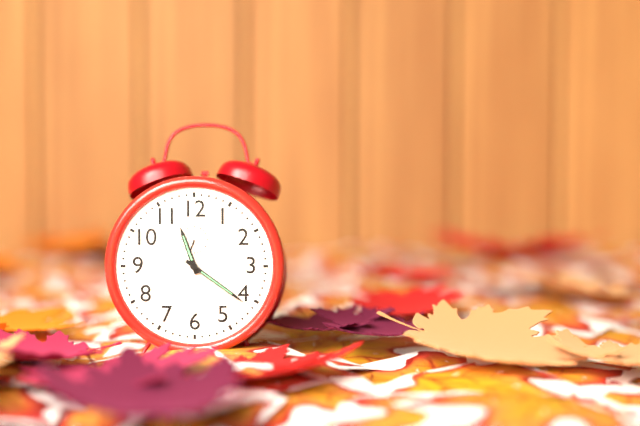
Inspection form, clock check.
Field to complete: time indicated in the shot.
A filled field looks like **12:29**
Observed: **11:21**
